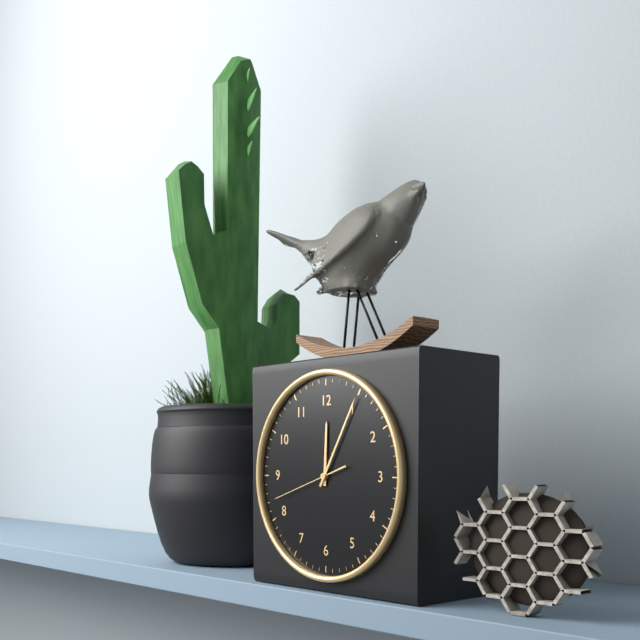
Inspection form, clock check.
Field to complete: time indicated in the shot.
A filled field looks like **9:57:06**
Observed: **12:05:42**
